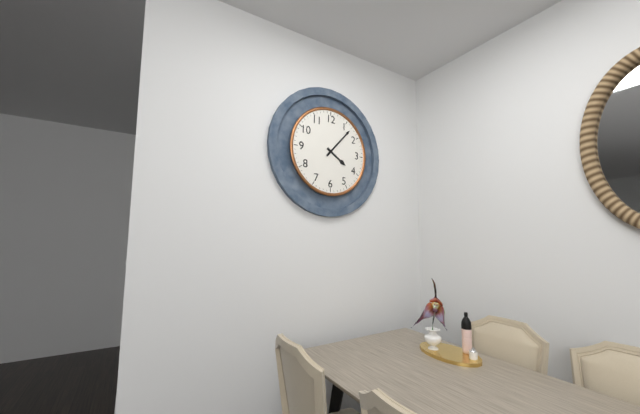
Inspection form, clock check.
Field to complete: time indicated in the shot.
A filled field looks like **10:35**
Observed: **4:07**
